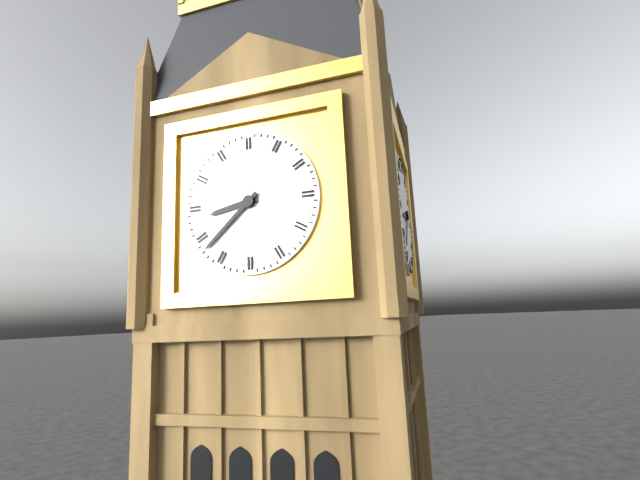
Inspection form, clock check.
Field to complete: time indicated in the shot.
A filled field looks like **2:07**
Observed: **8:38**
